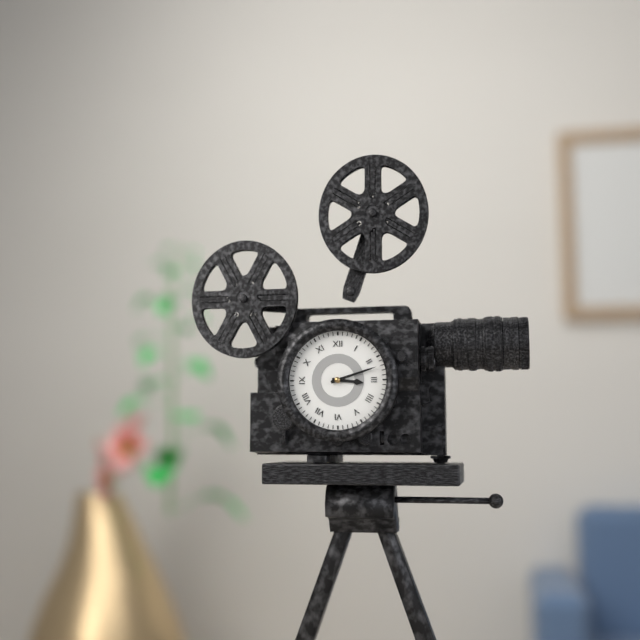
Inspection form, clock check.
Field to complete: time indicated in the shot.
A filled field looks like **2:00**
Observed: **3:12**
